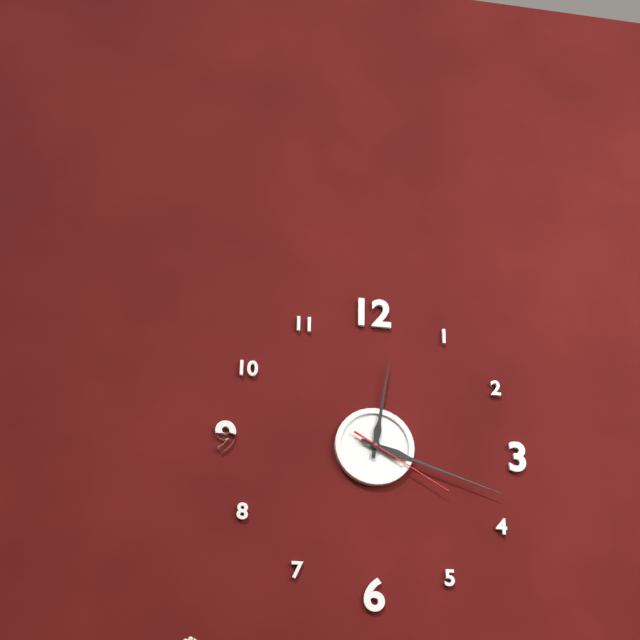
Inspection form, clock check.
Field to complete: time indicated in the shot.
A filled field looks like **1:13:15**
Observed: **12:18:20**
